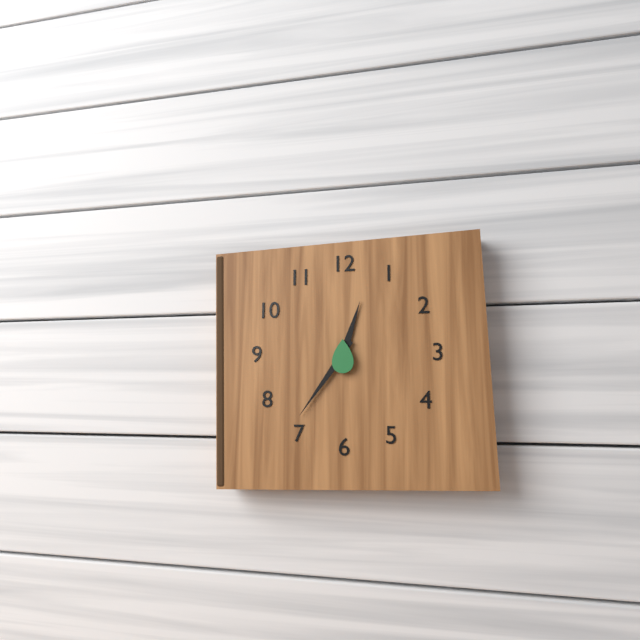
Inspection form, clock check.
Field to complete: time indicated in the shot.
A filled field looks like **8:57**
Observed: **12:36**
